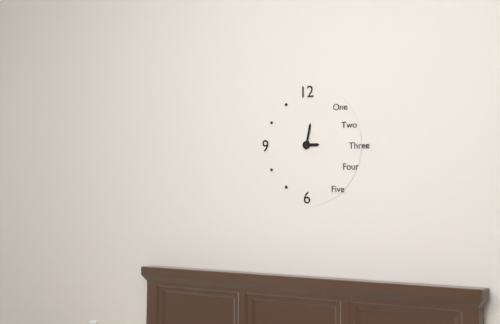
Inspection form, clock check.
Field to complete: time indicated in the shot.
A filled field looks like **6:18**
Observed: **3:02**
